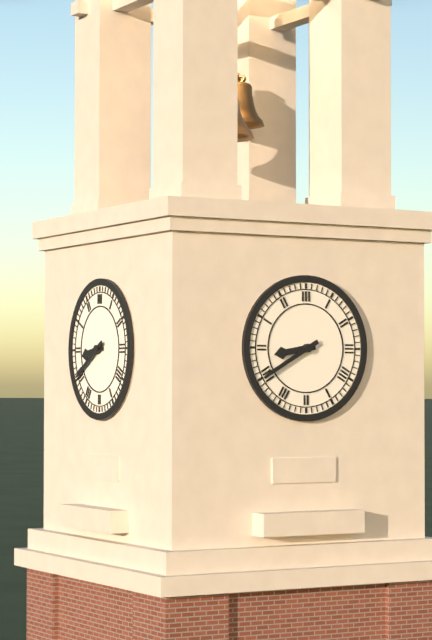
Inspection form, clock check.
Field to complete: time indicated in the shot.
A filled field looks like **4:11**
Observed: **8:40**
